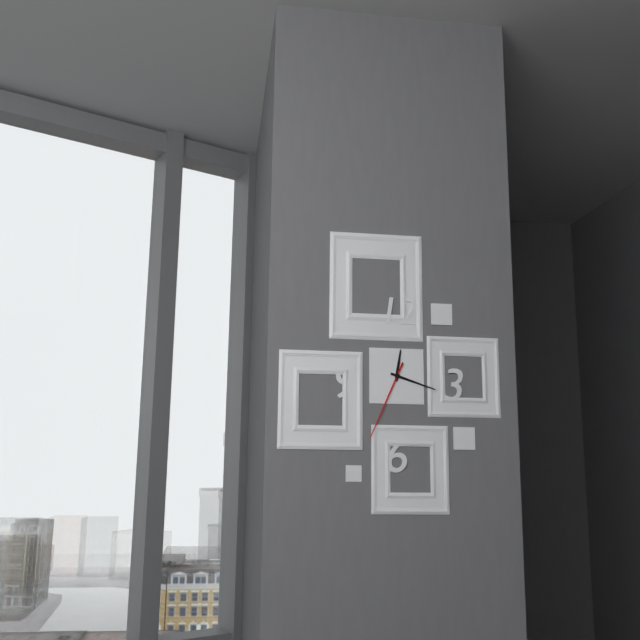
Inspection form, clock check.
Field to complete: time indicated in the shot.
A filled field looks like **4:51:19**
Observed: **12:18:34**
